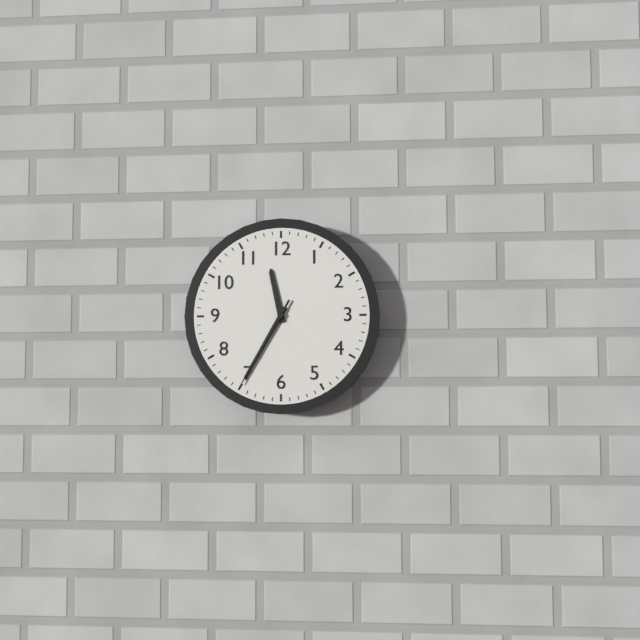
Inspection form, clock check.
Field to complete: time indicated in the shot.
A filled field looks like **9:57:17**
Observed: **11:35:35**
